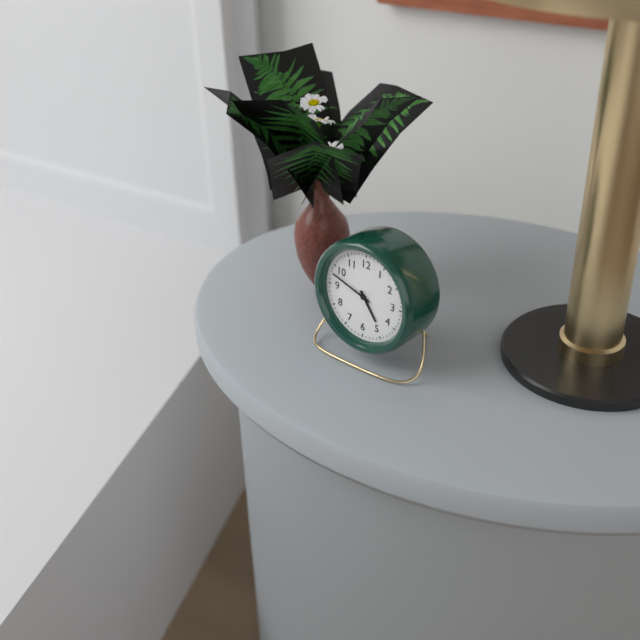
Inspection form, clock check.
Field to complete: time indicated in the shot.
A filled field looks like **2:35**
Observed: **4:48**
